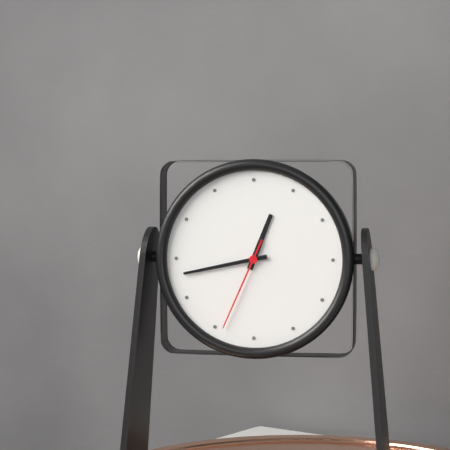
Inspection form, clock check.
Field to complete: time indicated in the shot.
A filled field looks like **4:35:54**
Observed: **12:43:34**
